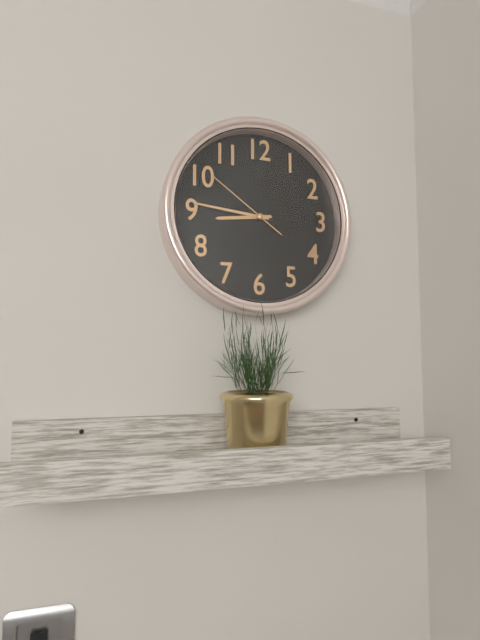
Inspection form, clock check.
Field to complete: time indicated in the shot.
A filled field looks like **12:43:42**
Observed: **8:46:51**
